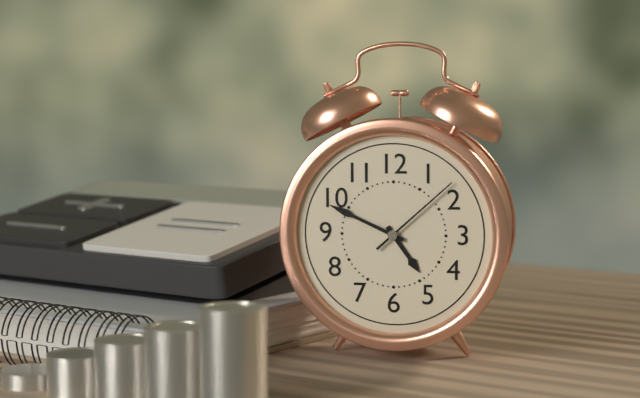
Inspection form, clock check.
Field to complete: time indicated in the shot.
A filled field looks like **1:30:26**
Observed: **4:49:08**
